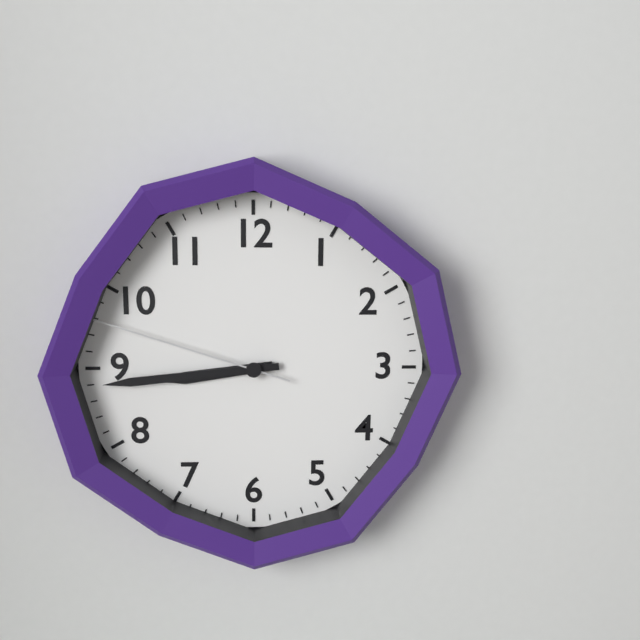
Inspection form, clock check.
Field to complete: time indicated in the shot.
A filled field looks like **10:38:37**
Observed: **8:44:48**
